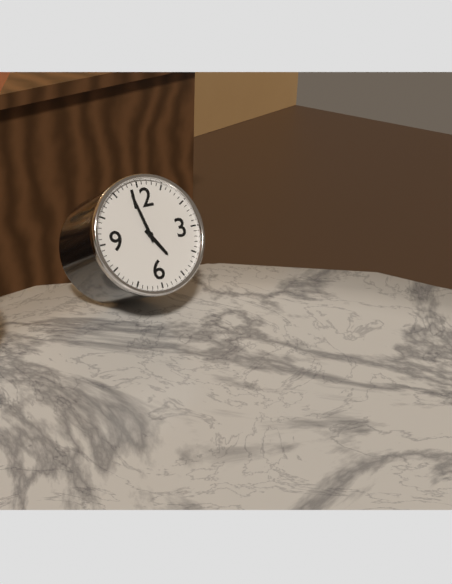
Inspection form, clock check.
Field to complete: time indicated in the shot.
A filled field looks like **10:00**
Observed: **4:58**
